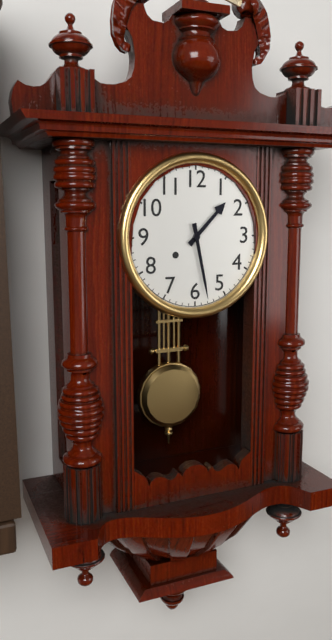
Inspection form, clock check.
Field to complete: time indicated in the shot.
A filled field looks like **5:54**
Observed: **1:28**
